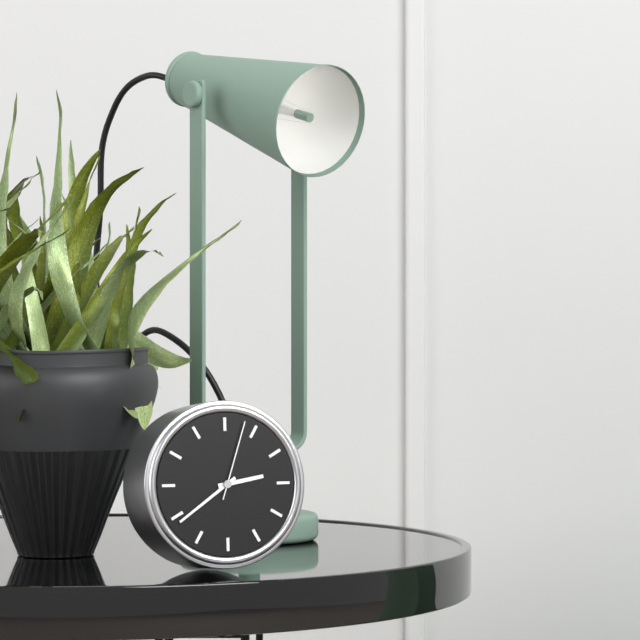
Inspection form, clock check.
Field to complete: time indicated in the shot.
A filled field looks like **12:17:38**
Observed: **2:39:03**
